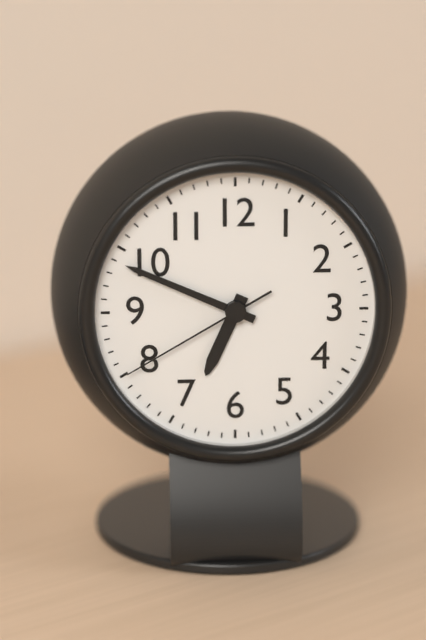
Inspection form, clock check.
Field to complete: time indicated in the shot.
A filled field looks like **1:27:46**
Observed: **6:49:40**
